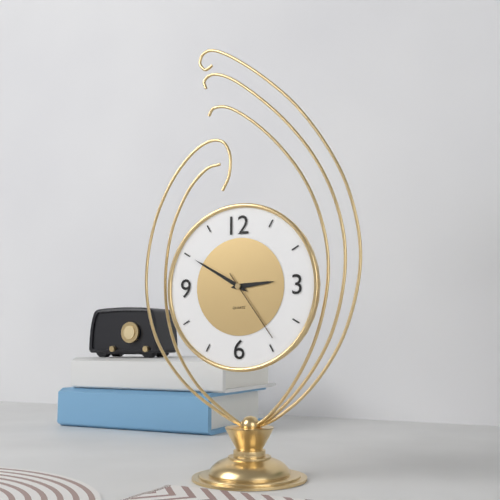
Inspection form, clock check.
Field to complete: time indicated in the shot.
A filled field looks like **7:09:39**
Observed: **2:50:24**
